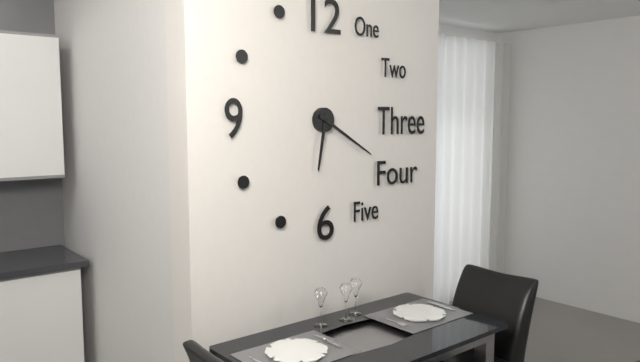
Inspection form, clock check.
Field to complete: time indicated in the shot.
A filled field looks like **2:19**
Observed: **6:20**
